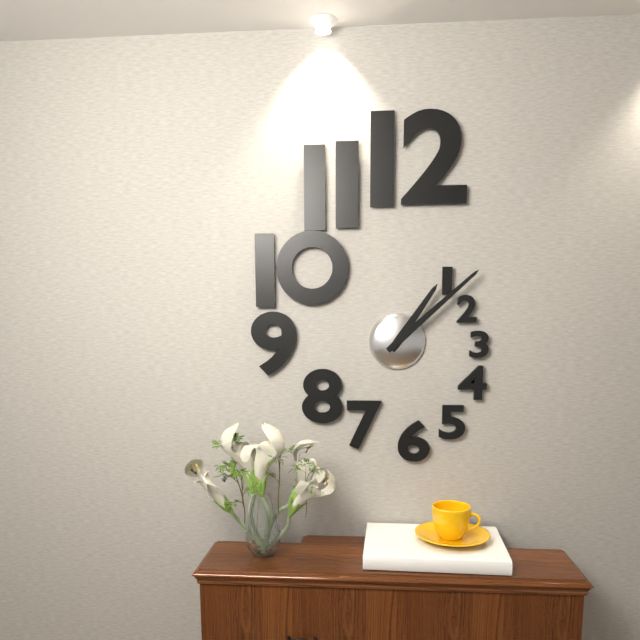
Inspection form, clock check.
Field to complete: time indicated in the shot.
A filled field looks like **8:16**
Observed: **1:08**
